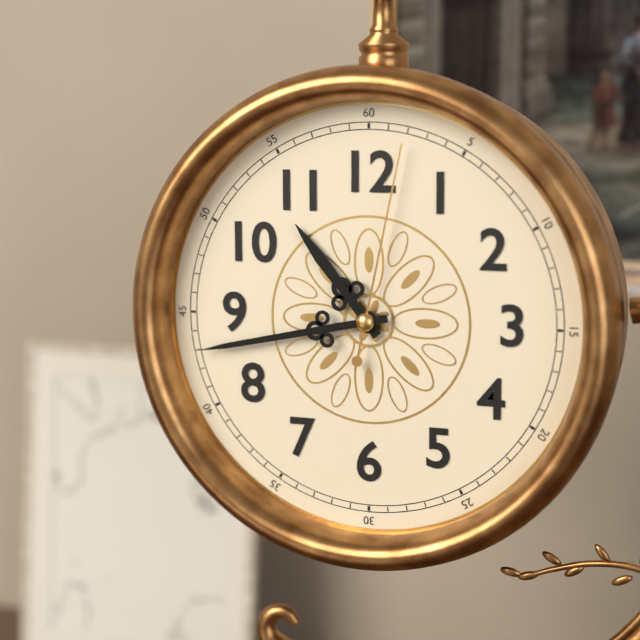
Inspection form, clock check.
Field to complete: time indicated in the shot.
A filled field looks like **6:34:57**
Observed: **10:43:02**
